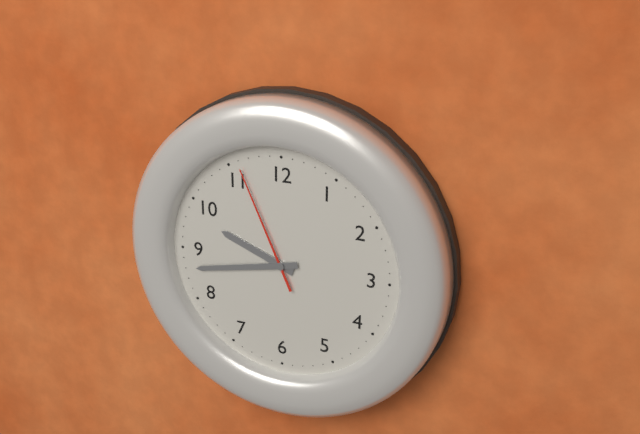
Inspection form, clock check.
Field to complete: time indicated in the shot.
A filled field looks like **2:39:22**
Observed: **9:43:56**
